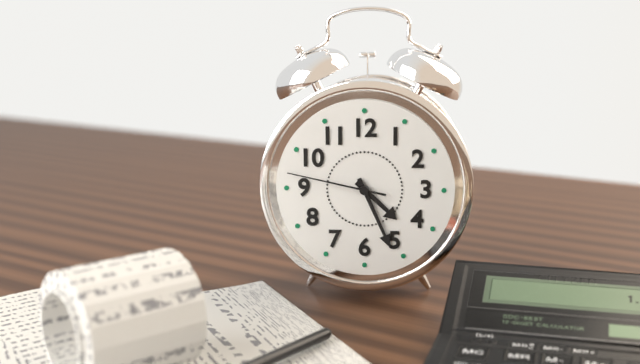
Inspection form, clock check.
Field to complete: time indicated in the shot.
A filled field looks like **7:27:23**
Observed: **4:26:47**
